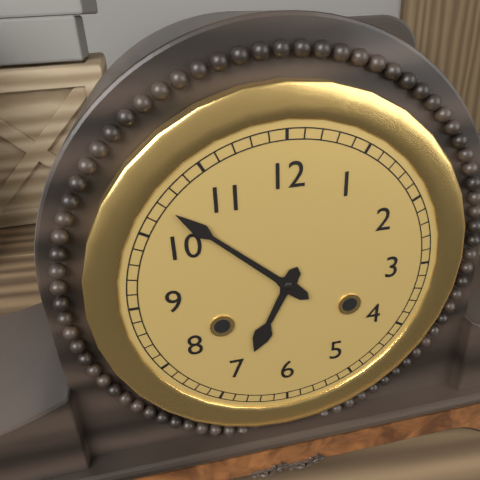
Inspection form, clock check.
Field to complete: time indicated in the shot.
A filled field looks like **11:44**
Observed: **6:52**
